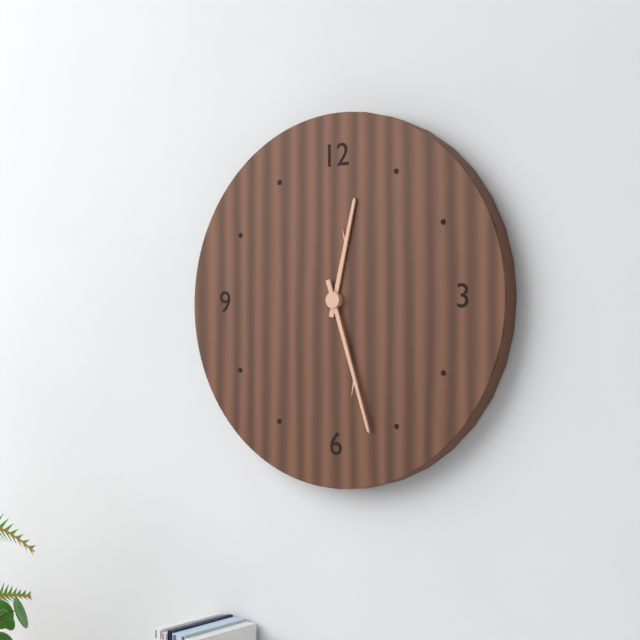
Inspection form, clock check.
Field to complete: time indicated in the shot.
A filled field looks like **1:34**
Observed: **12:27**
